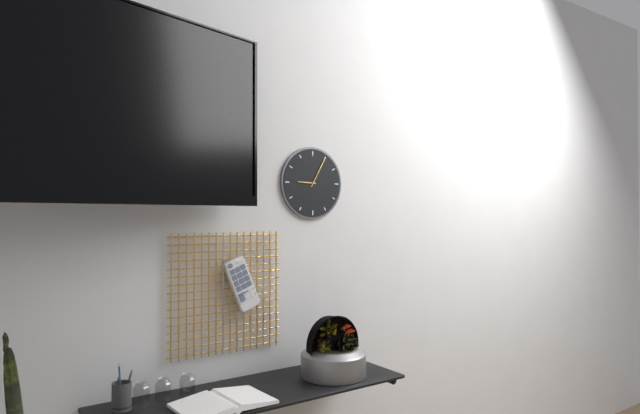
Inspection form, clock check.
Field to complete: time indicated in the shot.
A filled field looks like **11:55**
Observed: **9:05**
